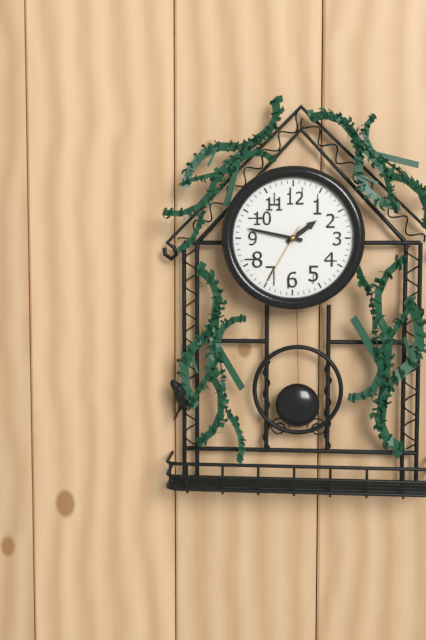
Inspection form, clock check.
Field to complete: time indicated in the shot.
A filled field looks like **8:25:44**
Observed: **1:47:35**
